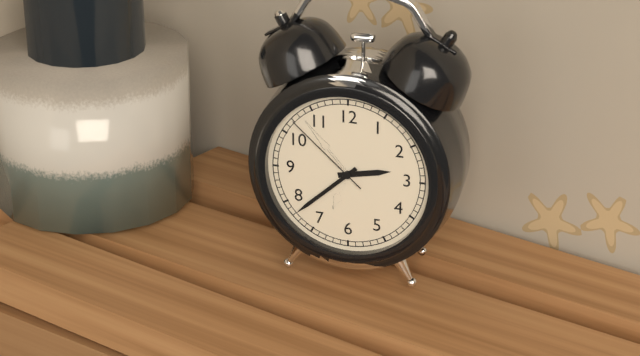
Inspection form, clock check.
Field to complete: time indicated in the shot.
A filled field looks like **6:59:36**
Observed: **2:38:52**
